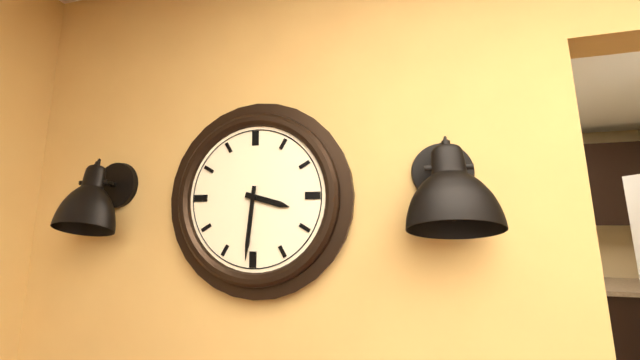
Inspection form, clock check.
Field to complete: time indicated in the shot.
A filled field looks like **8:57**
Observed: **3:31**
